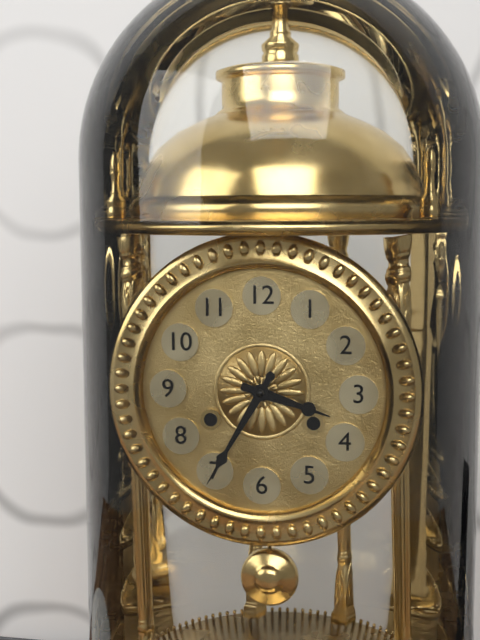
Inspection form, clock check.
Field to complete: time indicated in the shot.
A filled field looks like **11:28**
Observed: **3:35**
